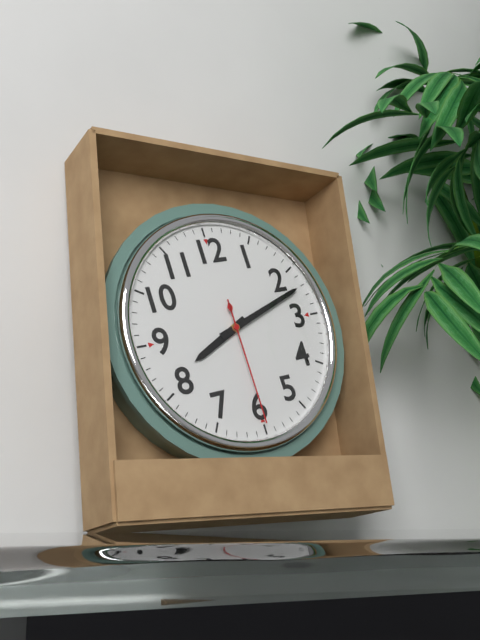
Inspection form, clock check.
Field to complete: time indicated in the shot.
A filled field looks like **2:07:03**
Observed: **8:12:30**
